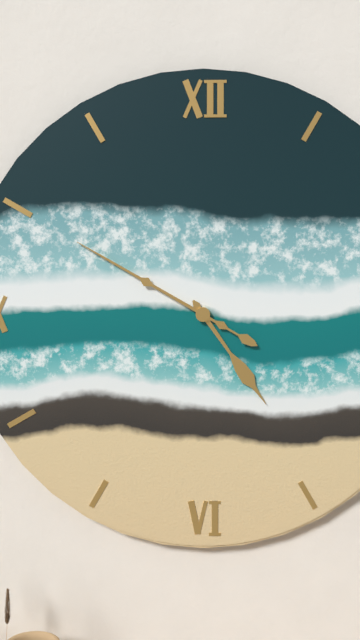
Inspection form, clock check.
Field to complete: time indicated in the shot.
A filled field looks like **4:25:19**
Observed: **4:50:50**
